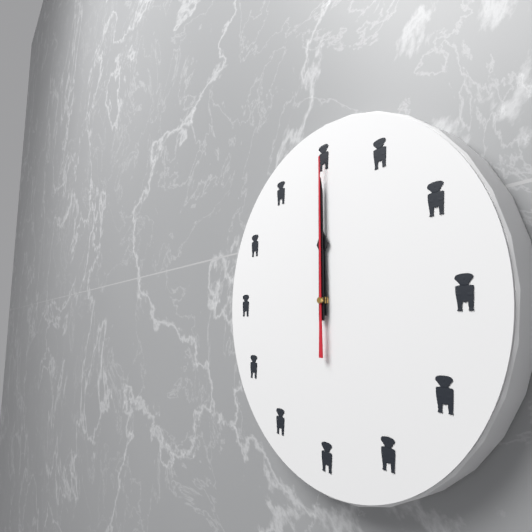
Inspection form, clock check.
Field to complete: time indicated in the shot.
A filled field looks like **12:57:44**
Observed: **12:00:00**
